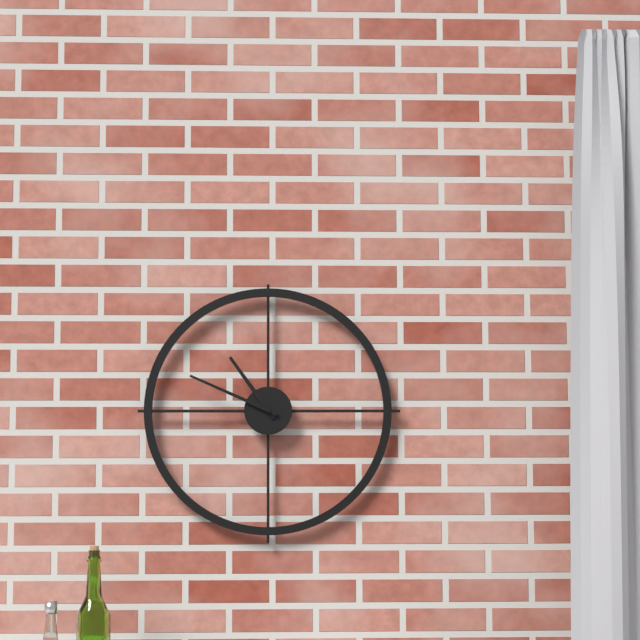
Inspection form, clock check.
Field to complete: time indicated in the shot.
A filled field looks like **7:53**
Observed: **10:49**
